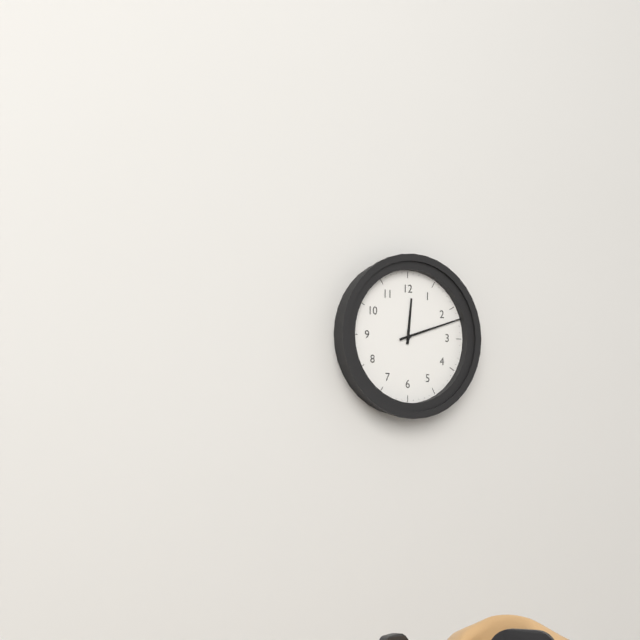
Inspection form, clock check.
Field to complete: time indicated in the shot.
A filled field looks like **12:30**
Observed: **12:12**
